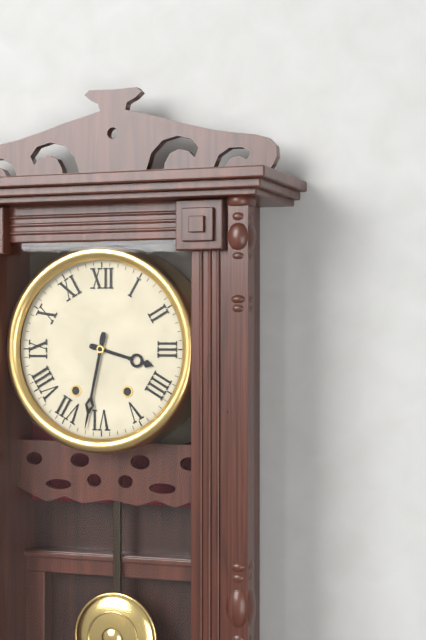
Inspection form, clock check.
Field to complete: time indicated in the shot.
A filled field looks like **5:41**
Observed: **3:32**
